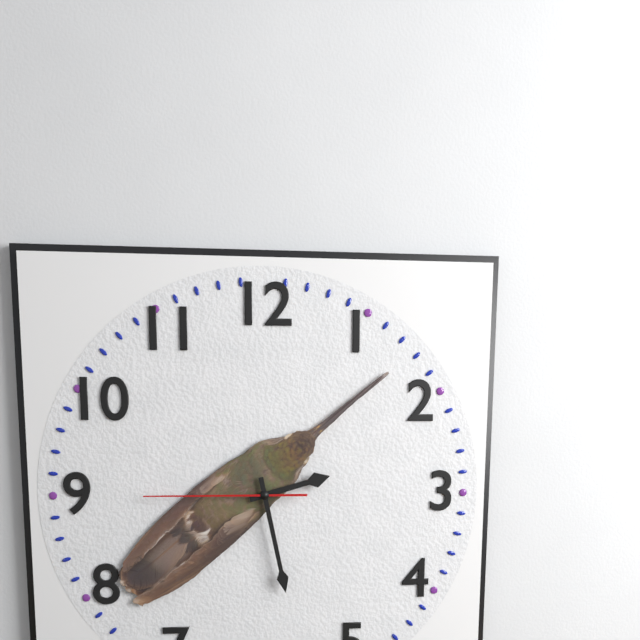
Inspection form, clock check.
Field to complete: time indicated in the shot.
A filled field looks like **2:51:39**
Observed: **2:28:45**
